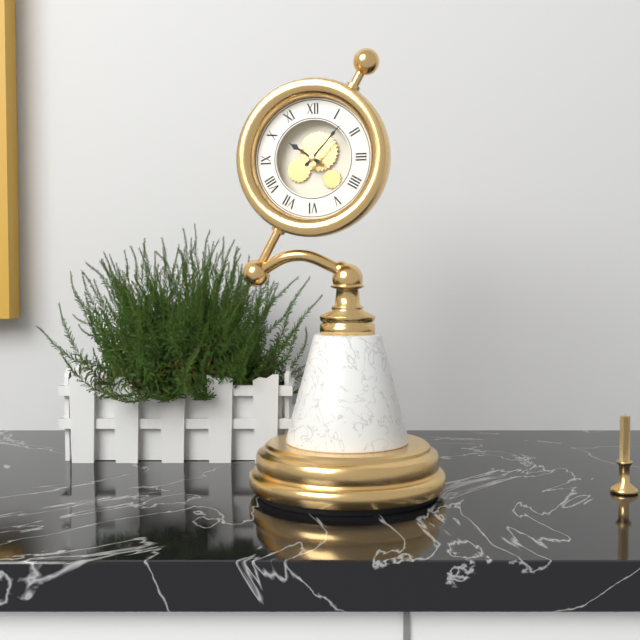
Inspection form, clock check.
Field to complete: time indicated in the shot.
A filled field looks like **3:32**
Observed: **10:07**
